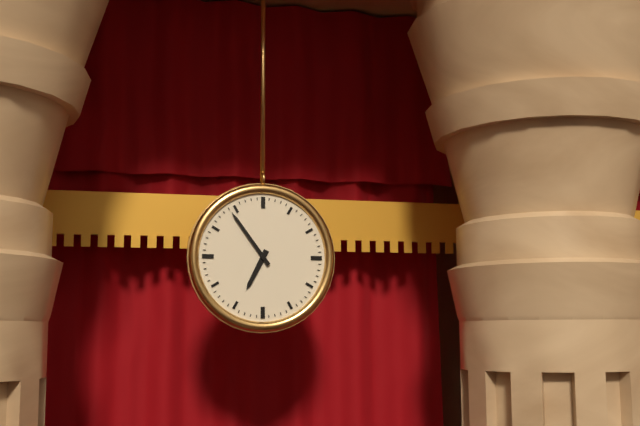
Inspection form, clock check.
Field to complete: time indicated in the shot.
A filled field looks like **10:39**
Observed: **6:54**
